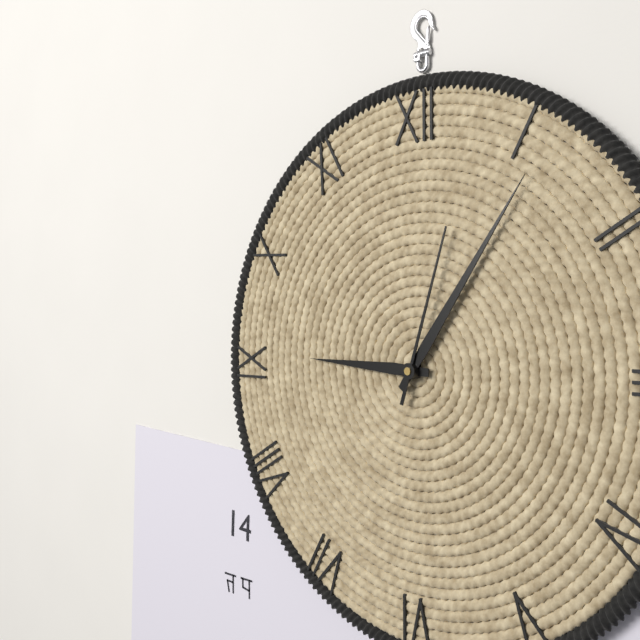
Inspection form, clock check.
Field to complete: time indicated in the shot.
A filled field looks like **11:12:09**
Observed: **9:06:03**
